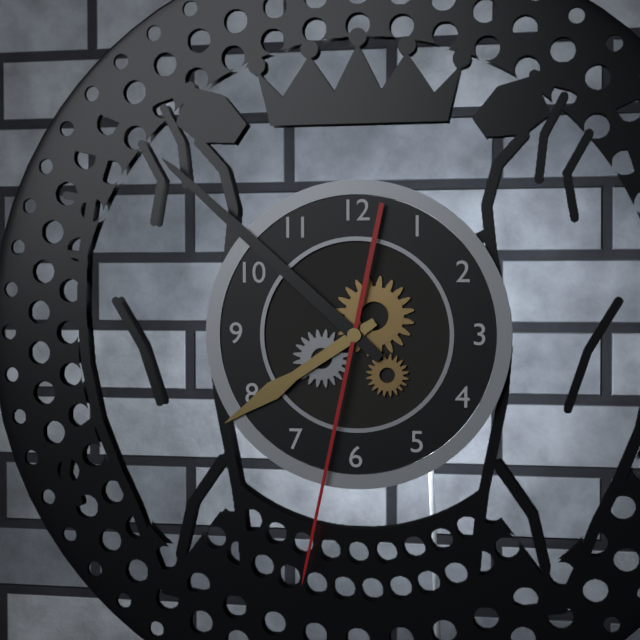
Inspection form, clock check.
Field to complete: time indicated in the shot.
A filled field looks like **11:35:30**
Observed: **7:52:32**
